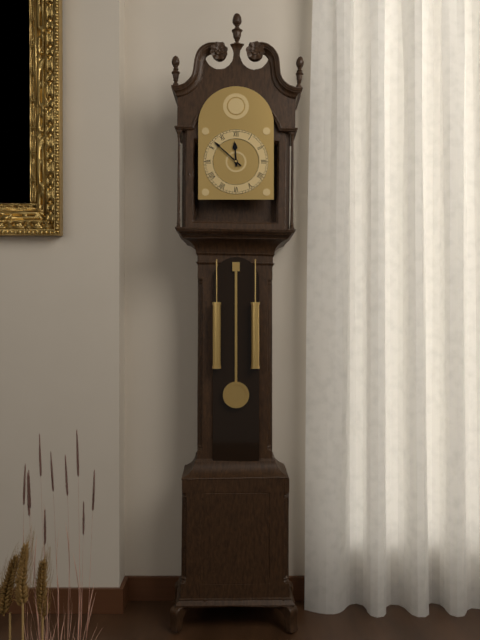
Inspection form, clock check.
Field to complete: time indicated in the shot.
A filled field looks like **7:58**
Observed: **11:52**
